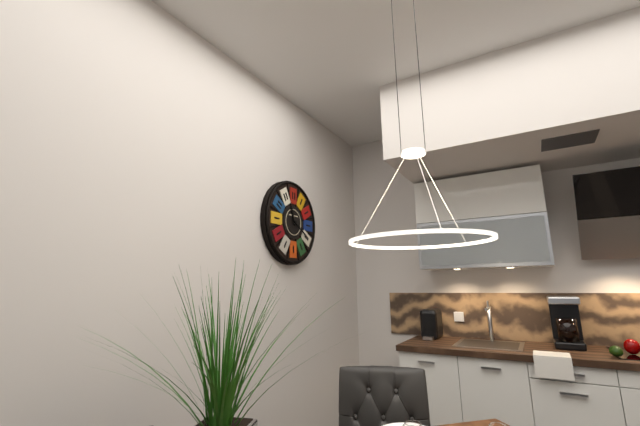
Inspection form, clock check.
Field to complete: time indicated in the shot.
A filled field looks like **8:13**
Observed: **11:20**
